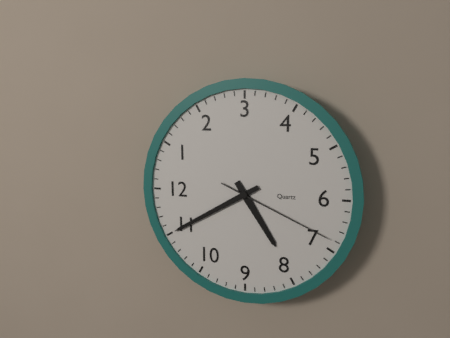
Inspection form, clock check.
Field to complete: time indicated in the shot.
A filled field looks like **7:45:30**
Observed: **7:55:34**
